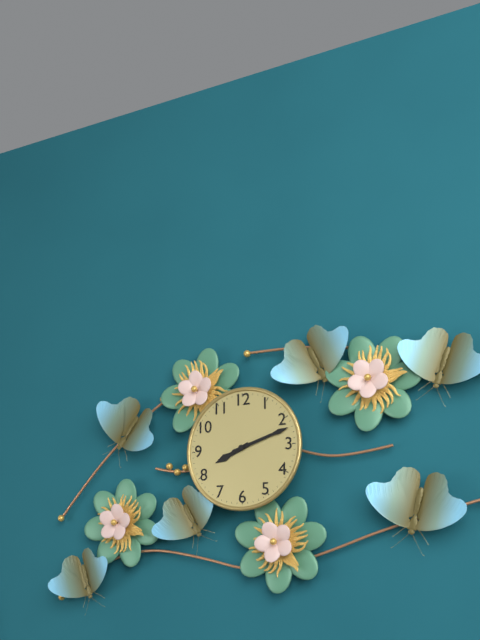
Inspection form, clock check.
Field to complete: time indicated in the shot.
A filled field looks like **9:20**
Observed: **8:12**
